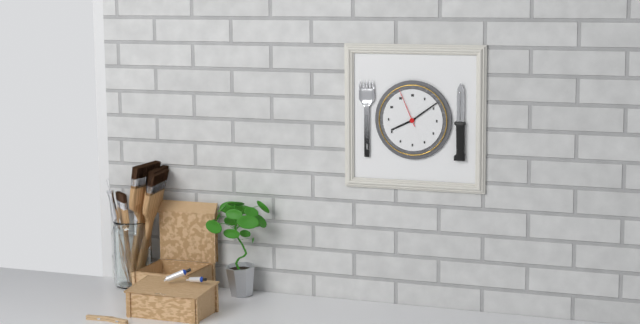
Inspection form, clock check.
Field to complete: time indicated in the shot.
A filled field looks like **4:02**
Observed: **8:09**
